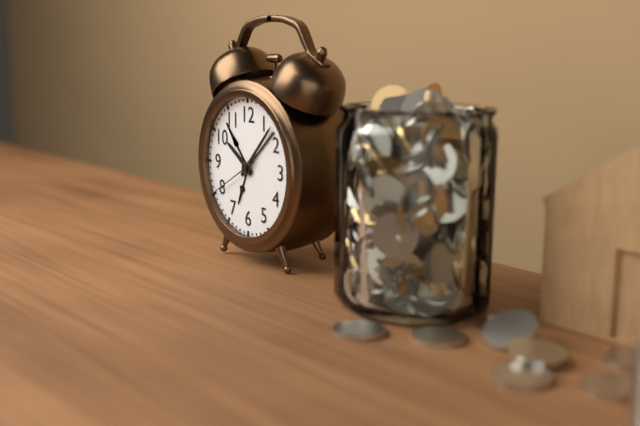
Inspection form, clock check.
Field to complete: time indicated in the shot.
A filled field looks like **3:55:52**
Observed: **10:07:40**
